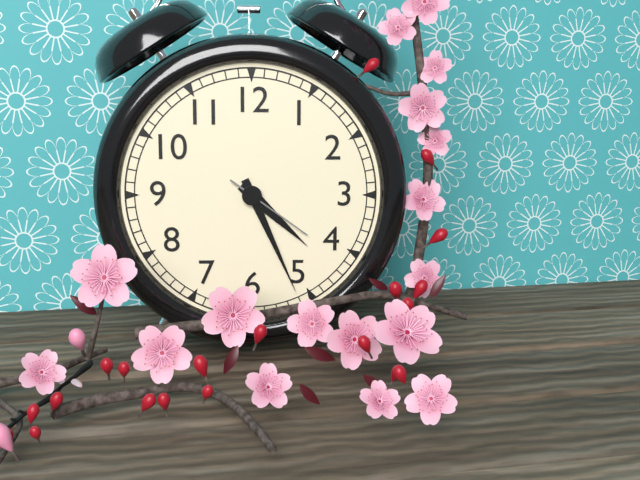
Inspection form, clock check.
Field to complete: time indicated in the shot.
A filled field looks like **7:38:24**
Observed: **4:26:21**
